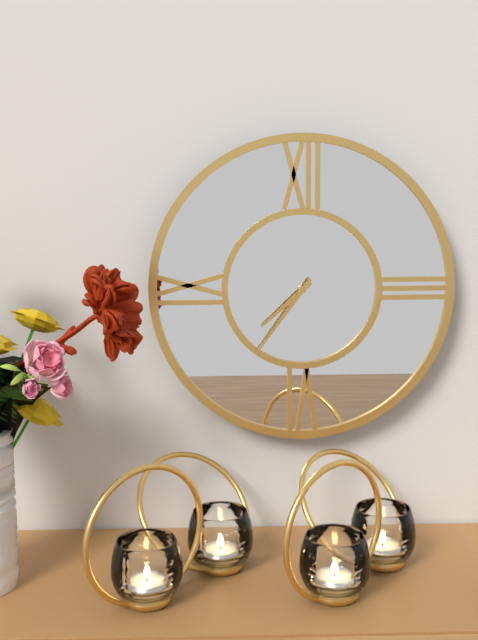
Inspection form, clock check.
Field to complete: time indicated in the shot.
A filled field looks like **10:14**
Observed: **7:36**
